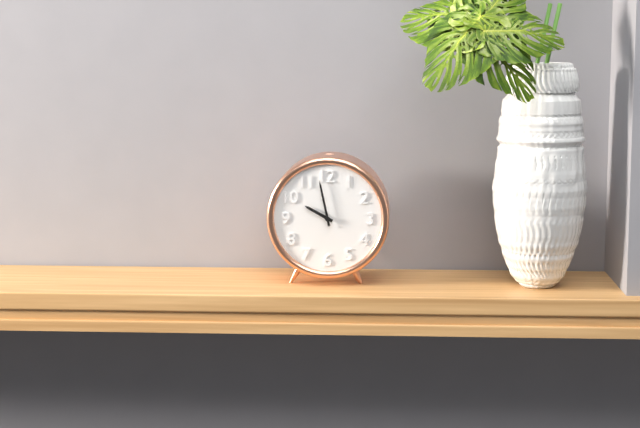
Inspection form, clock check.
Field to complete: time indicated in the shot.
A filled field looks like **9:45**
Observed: **9:58**
